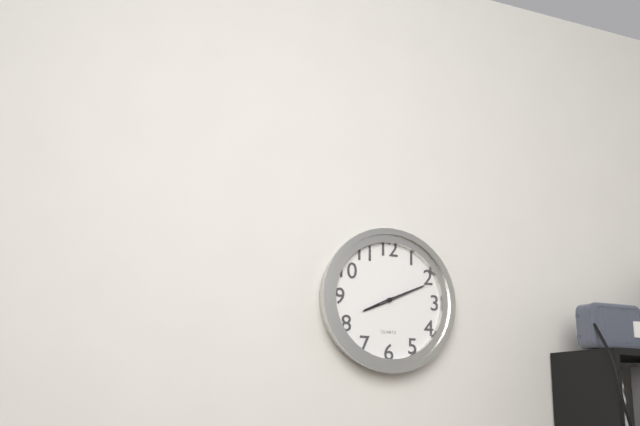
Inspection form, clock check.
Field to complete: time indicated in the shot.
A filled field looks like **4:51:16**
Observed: **8:11:11**
